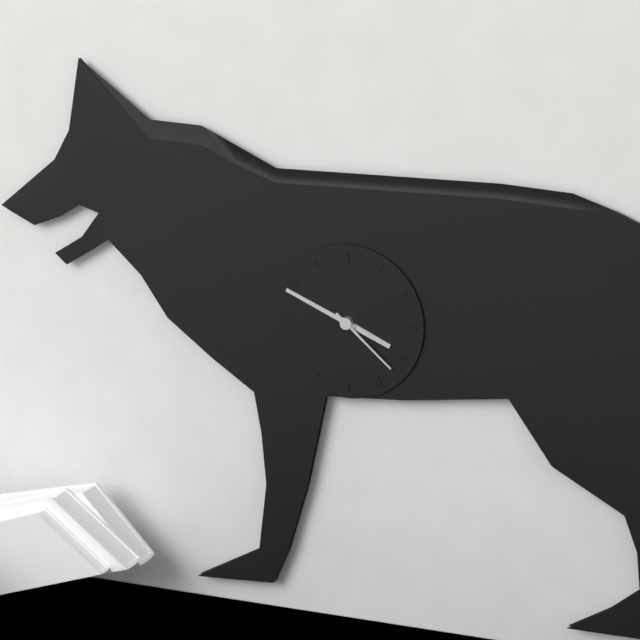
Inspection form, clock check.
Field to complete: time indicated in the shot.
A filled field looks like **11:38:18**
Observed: **3:49:22**
